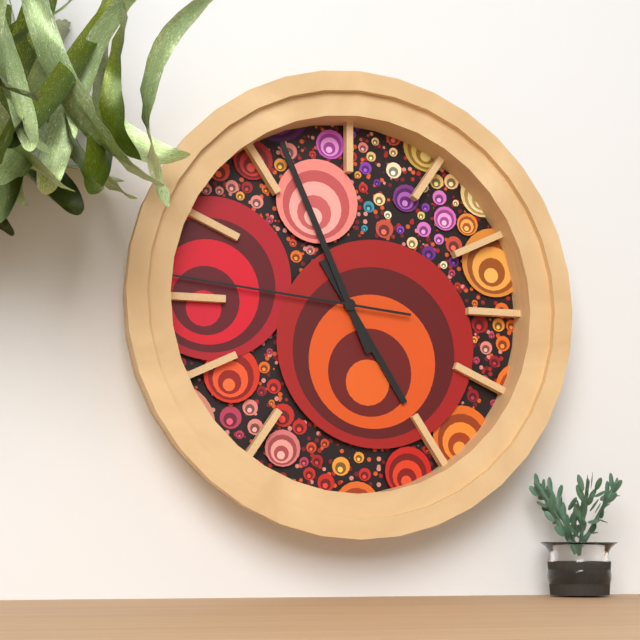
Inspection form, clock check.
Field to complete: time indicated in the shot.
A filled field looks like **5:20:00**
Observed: **4:56:46**
